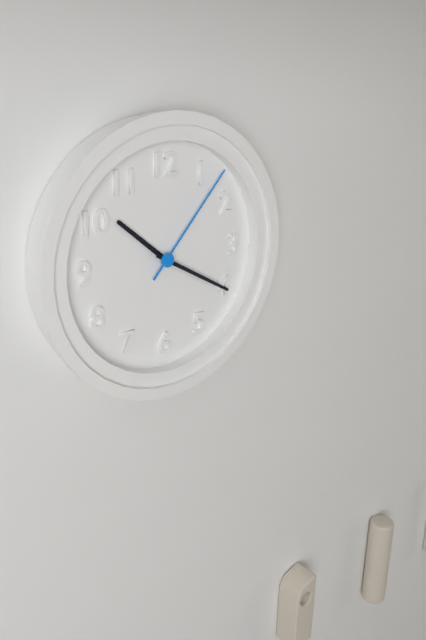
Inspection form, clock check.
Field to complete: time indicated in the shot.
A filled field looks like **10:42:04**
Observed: **10:20:07**
